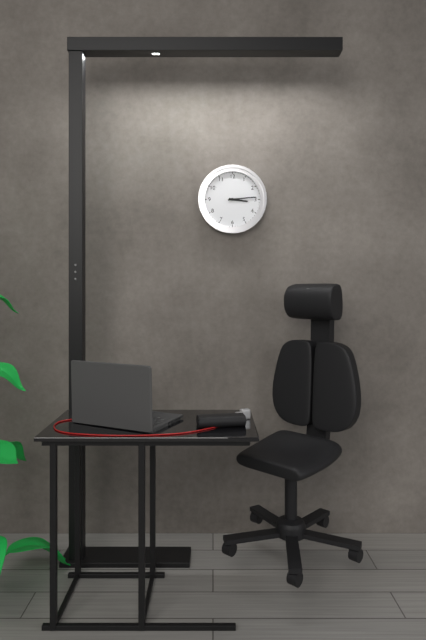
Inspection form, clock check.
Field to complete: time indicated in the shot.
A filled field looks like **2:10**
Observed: **3:14**
